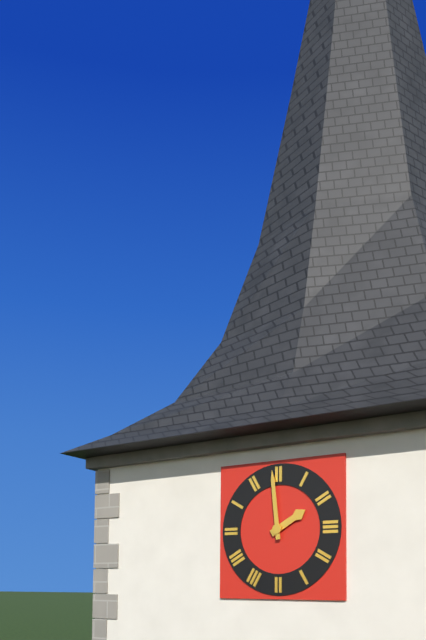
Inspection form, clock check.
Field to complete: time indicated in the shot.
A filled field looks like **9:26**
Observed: **1:59**
